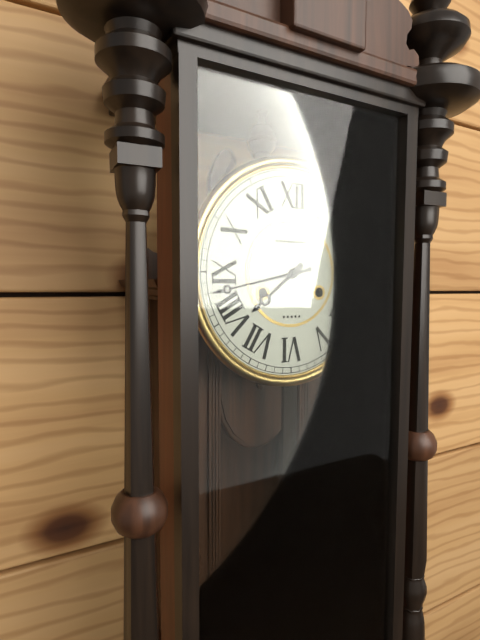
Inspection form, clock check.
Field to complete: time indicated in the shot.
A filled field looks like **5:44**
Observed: **7:43**
